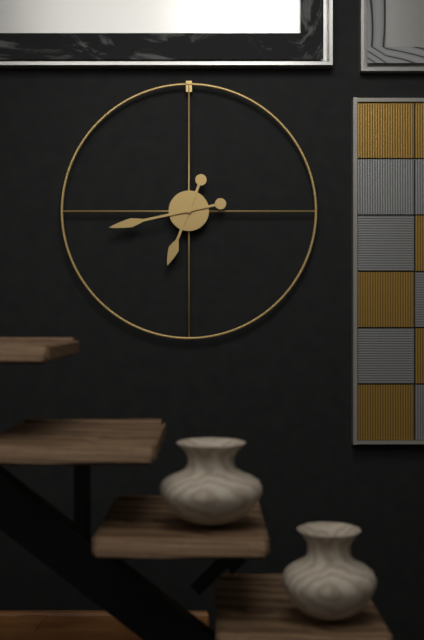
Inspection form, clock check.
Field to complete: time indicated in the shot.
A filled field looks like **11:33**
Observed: **6:43**
